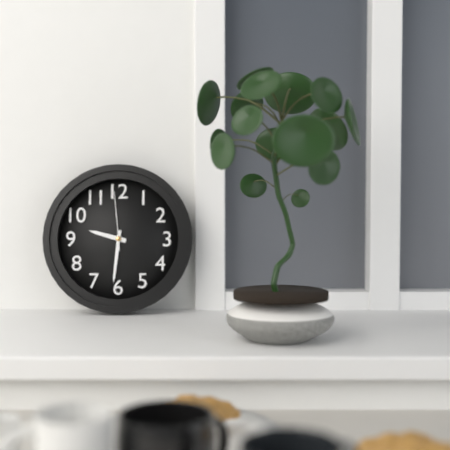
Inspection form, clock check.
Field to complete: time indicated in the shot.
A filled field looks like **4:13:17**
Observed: **9:31:59**
